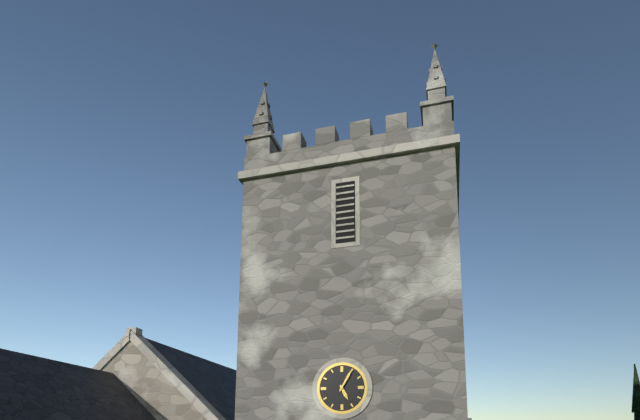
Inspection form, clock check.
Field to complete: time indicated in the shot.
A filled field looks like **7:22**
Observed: **5:05**
